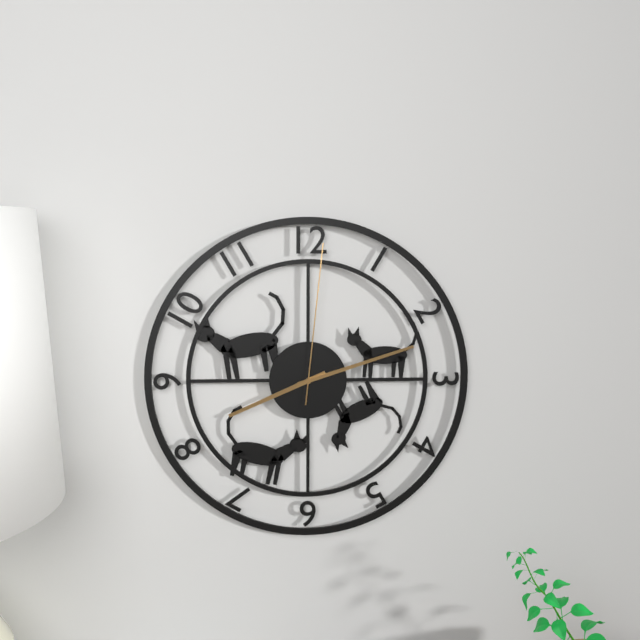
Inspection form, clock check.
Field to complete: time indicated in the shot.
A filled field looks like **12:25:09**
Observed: **8:12:01**
